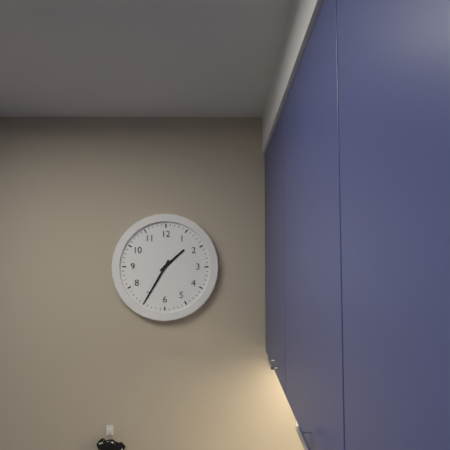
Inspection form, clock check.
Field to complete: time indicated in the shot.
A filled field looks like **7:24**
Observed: **1:35**
